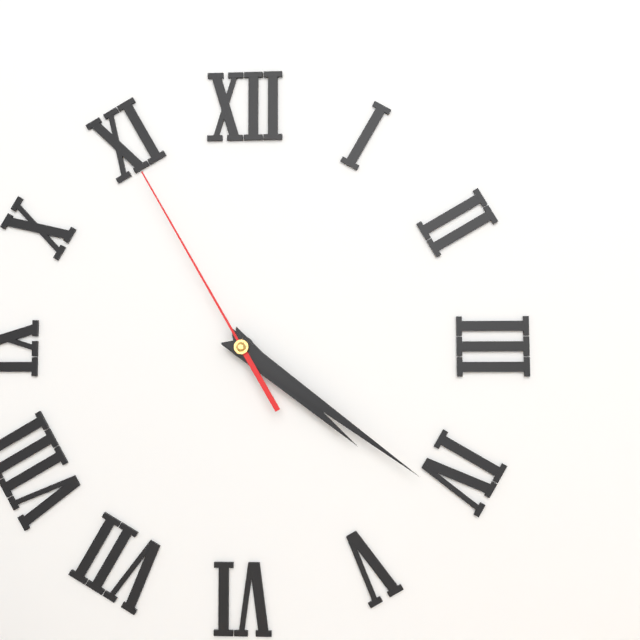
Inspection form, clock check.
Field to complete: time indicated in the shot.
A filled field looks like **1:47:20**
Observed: **4:21:55**
